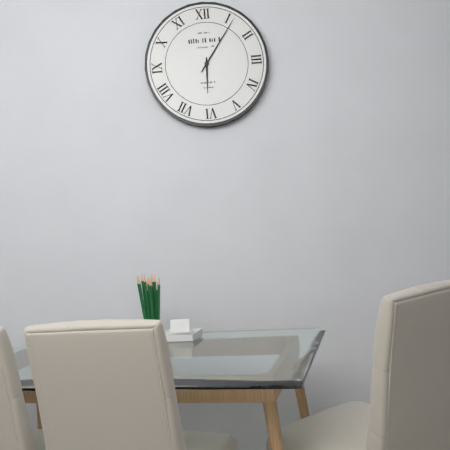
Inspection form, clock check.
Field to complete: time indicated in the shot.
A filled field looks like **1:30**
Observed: **6:06**
